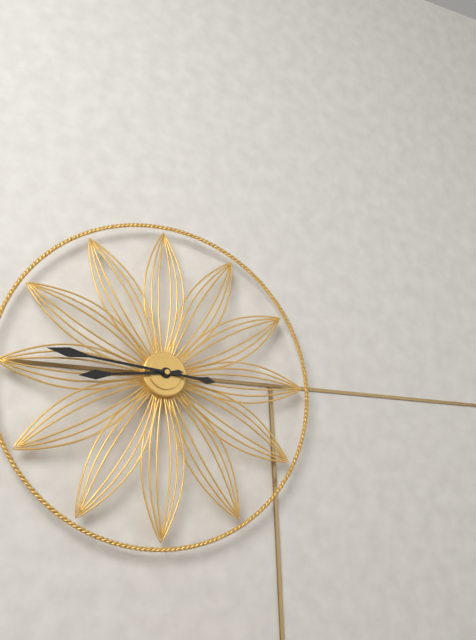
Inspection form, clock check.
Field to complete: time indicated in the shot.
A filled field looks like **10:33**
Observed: **8:46**
